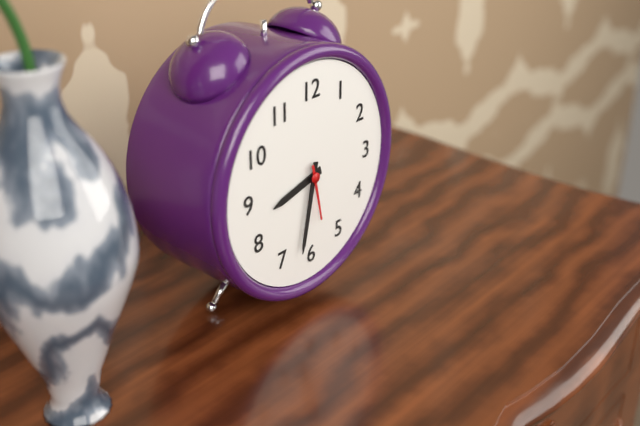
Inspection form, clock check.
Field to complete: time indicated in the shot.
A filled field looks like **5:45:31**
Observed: **8:32:28**
